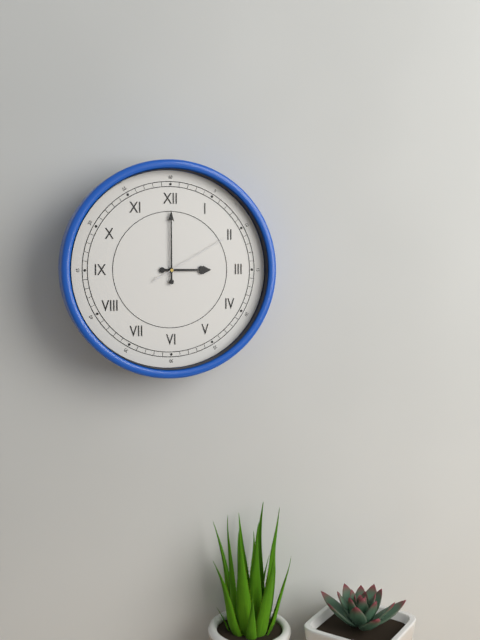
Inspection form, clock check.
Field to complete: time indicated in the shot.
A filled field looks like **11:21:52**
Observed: **3:00:10**
